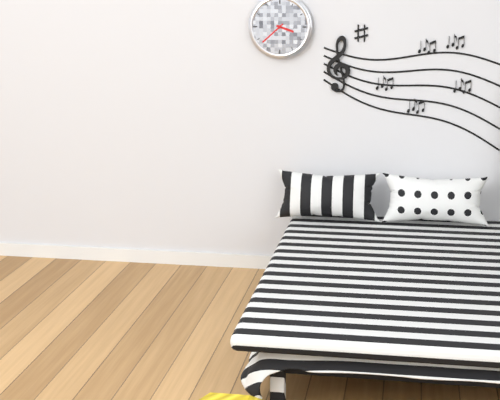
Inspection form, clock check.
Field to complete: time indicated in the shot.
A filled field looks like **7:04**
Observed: **3:38**
